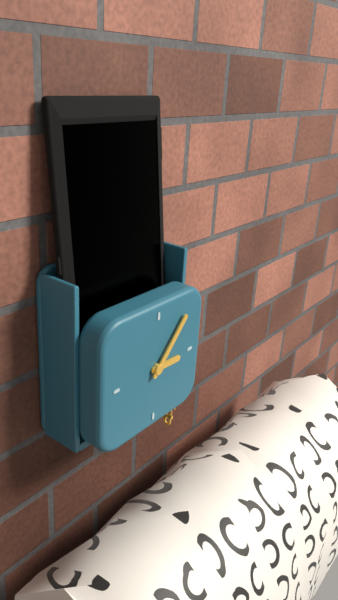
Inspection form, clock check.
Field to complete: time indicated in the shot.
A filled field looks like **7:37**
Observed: **3:07**
